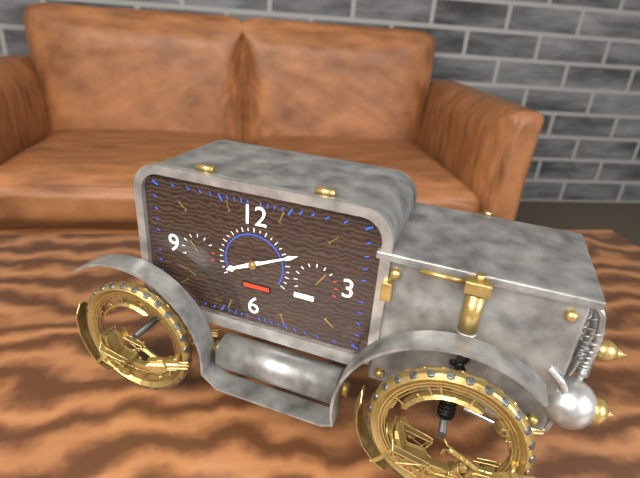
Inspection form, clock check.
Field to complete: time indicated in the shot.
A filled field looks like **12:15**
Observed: **8:11**
